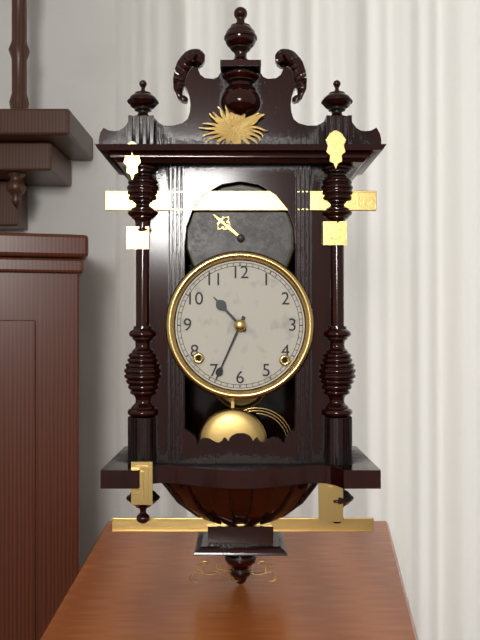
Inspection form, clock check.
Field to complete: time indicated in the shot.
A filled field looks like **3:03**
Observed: **10:34**
